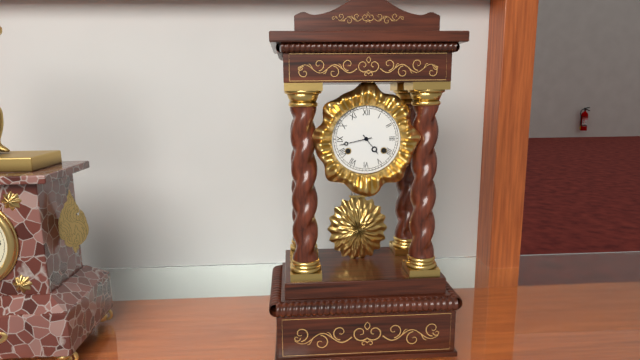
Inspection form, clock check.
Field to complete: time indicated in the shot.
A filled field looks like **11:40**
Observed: **4:43**
